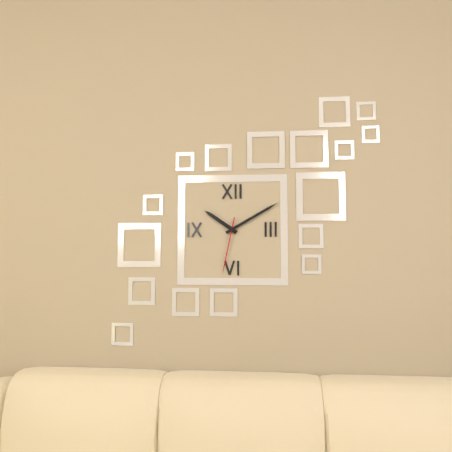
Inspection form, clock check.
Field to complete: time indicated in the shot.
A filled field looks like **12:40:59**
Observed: **10:10:32**
